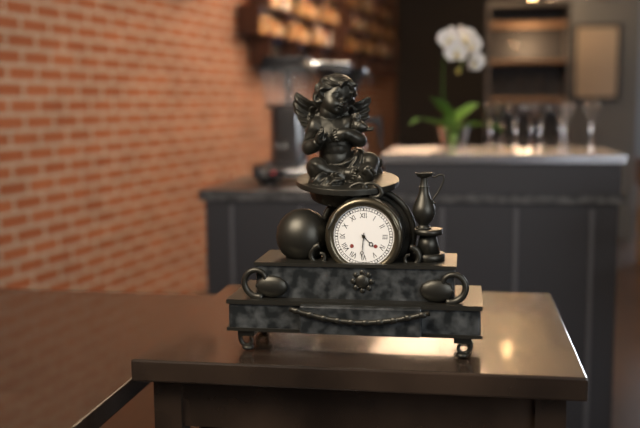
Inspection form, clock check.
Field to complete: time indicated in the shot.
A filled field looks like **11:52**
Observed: **4:31**
